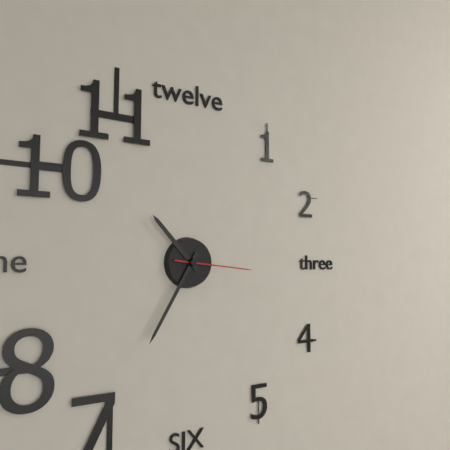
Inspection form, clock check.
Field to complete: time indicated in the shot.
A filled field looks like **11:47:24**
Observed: **10:35:16**
